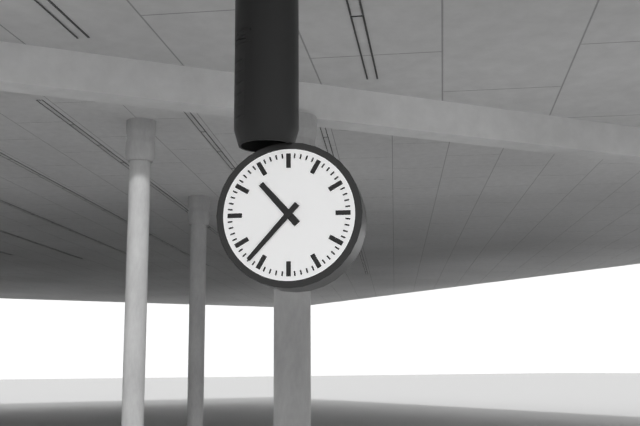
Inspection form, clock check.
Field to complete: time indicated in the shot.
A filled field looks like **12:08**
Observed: **10:37**
